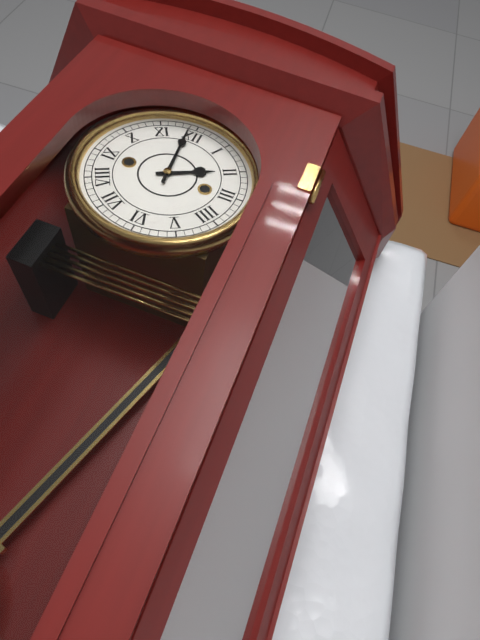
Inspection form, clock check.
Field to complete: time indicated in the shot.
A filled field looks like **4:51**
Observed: **1:59**
